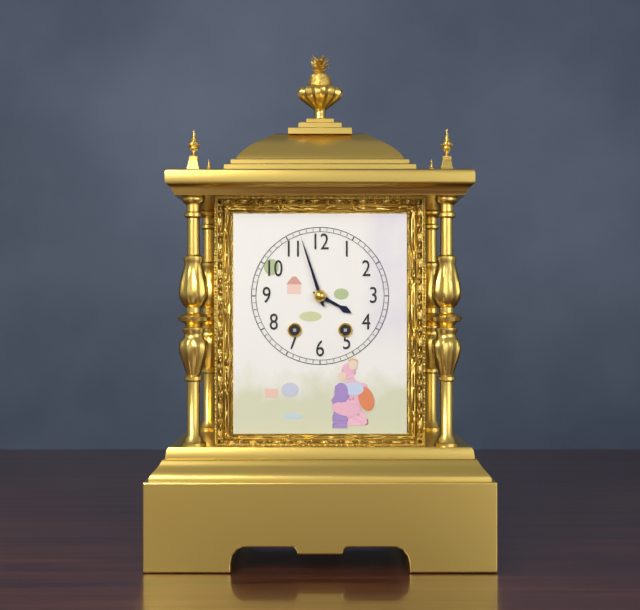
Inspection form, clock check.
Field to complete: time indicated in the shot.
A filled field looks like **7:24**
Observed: **3:57**
